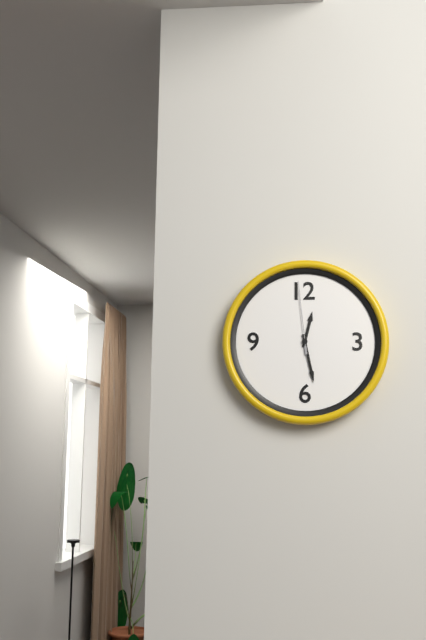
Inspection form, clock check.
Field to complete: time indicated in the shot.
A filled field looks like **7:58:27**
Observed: **12:28:59**
